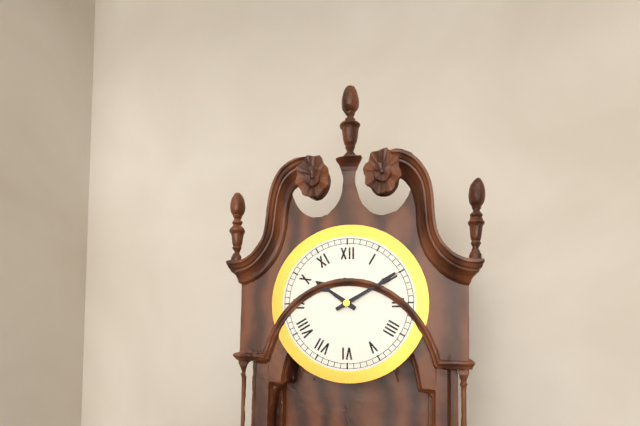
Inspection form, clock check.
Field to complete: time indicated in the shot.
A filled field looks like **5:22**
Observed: **10:10**
